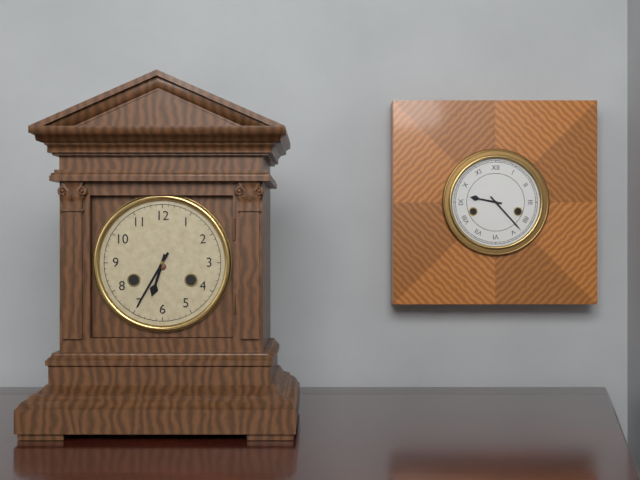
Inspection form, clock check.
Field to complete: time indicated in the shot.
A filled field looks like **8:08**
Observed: **6:35**
